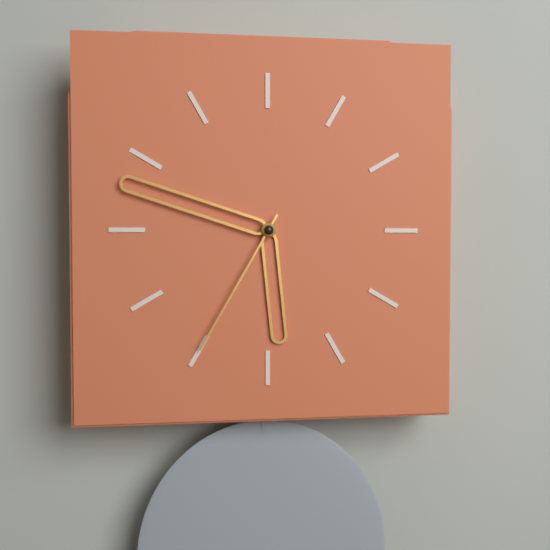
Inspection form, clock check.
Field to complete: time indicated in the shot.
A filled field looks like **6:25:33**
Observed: **5:48:35**
